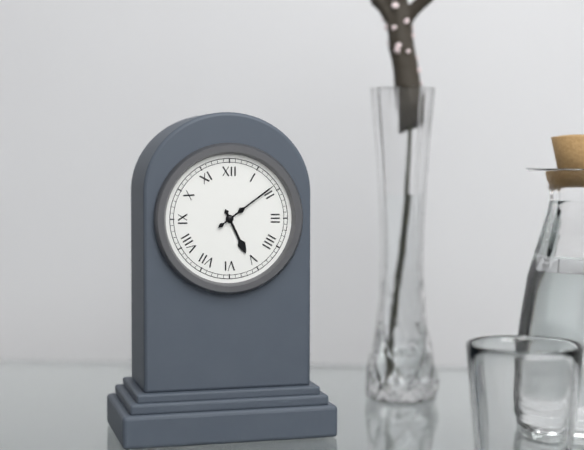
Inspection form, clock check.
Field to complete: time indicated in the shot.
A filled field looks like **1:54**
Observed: **5:09**
